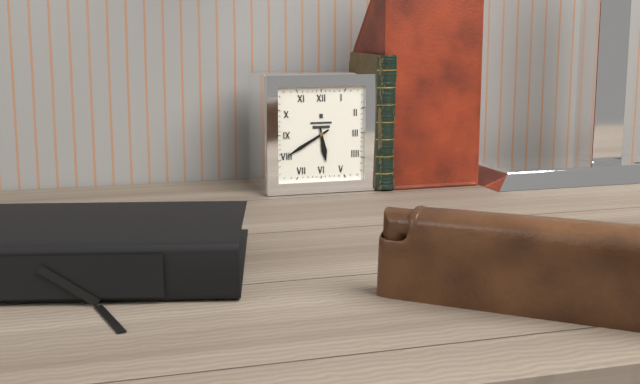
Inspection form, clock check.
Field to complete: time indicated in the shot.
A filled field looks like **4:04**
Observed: **5:40**
